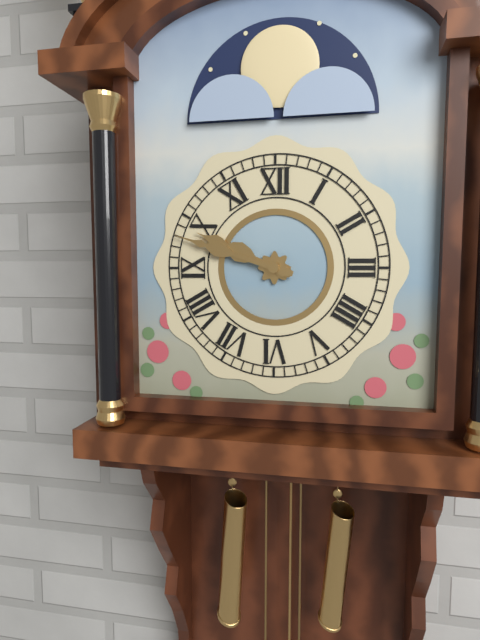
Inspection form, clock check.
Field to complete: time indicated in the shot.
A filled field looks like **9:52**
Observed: **9:48**
